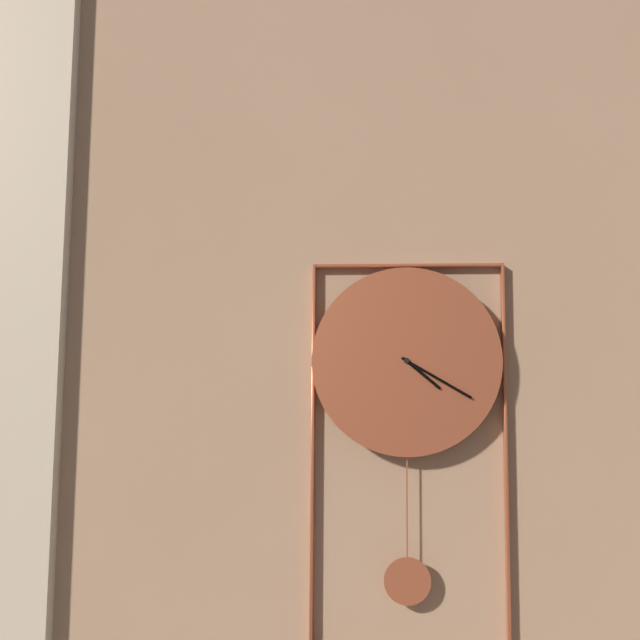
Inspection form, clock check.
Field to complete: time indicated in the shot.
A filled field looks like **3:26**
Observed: **4:20**
